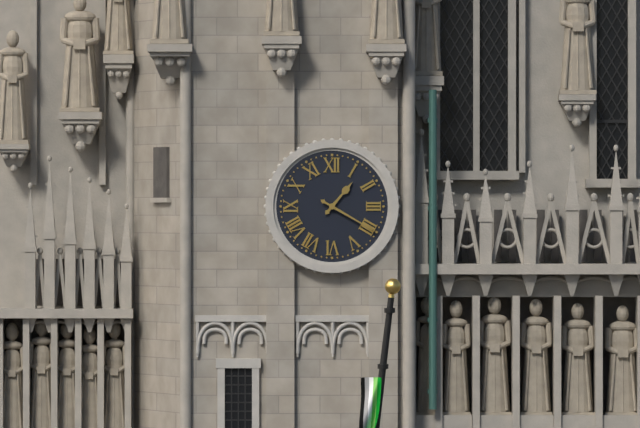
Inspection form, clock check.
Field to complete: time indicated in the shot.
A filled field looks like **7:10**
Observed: **1:20**
